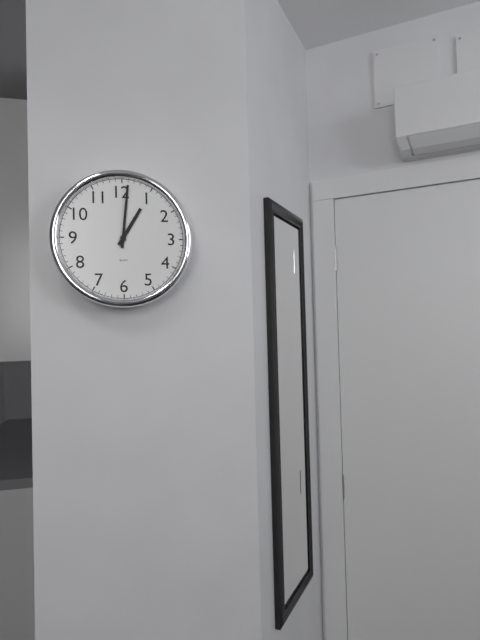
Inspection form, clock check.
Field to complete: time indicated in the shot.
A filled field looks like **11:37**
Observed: **1:01**
